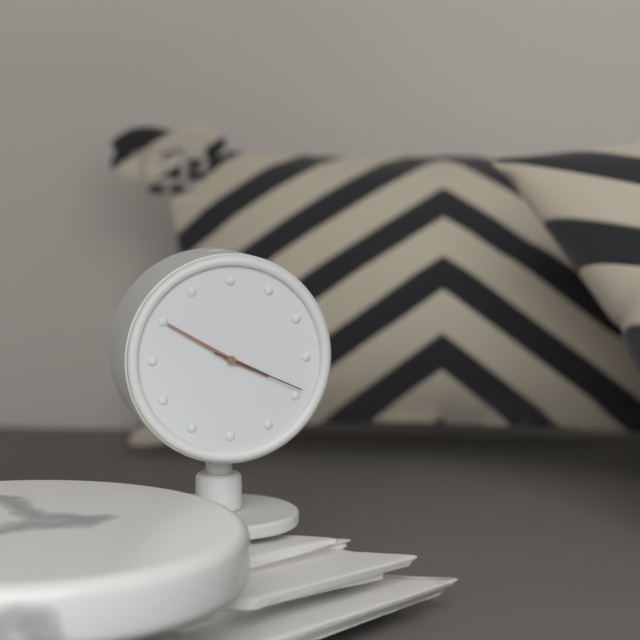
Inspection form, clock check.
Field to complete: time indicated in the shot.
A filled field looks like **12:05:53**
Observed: **3:50:19**
